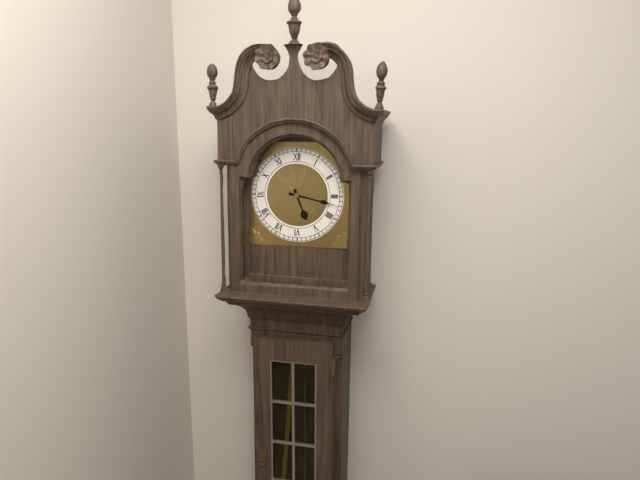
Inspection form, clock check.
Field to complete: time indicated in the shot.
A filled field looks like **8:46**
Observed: **5:17**
